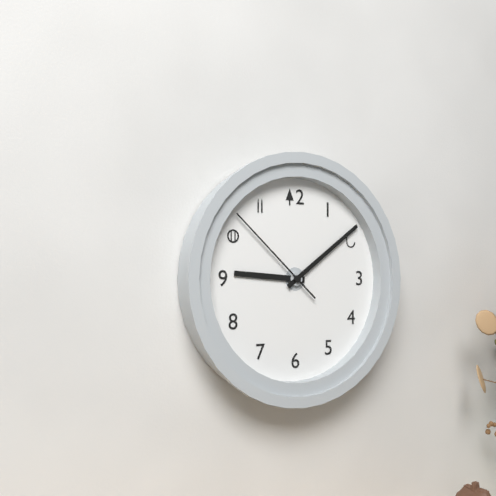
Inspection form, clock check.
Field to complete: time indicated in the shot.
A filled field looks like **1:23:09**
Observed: **9:09:52**
